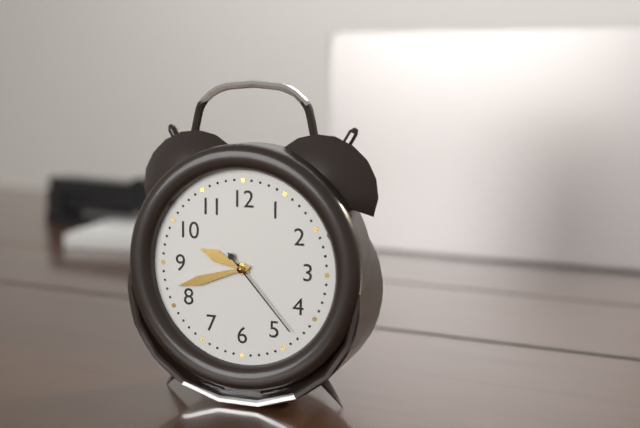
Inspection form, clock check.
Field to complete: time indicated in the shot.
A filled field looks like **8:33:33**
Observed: **9:42:23**
